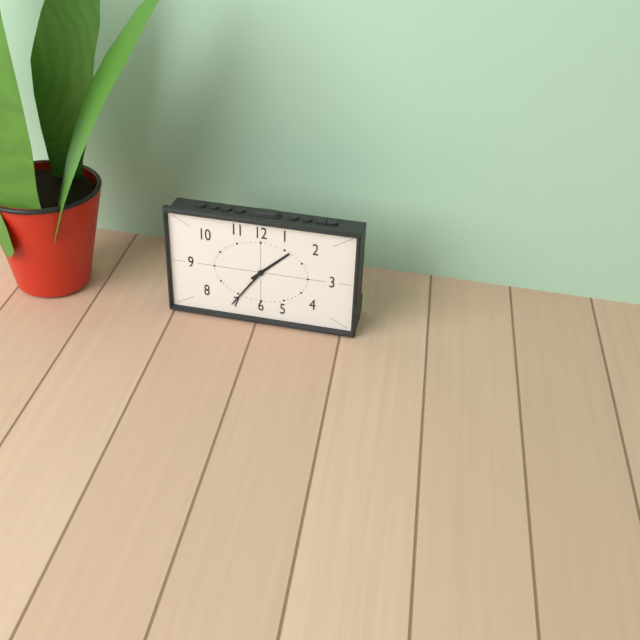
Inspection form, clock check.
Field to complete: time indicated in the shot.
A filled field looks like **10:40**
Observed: **1:36**
